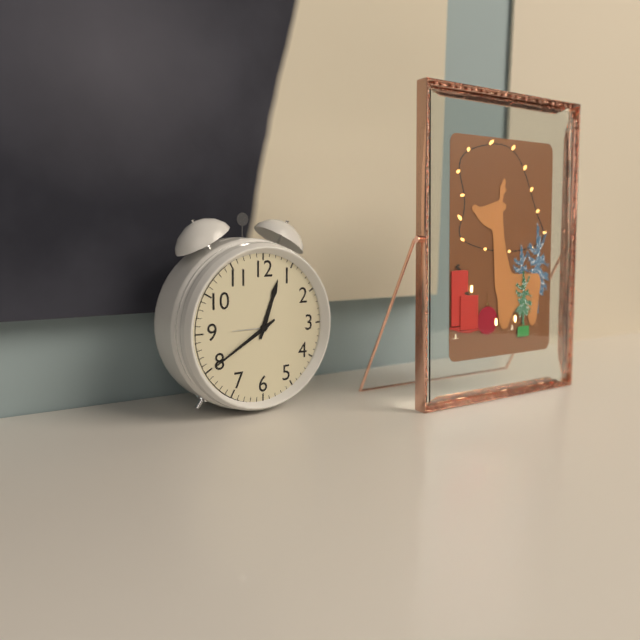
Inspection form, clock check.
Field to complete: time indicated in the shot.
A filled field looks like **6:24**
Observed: **12:40**
